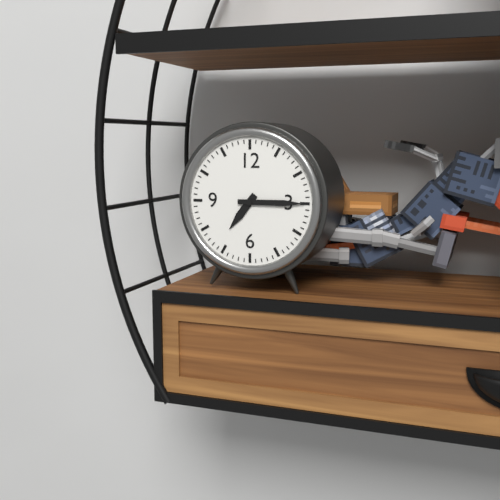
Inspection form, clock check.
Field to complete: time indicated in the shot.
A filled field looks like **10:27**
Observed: **7:15**
